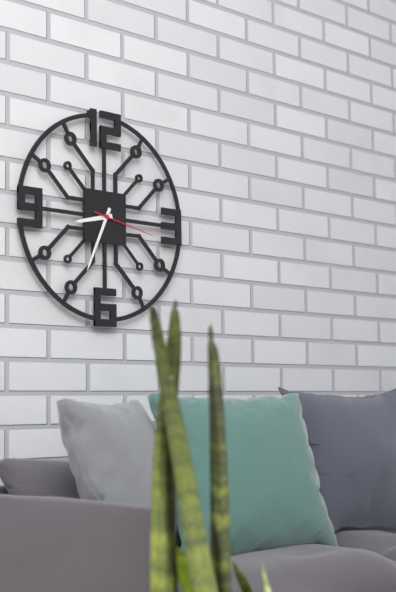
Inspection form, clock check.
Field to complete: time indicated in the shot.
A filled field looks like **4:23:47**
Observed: **8:34:17**
